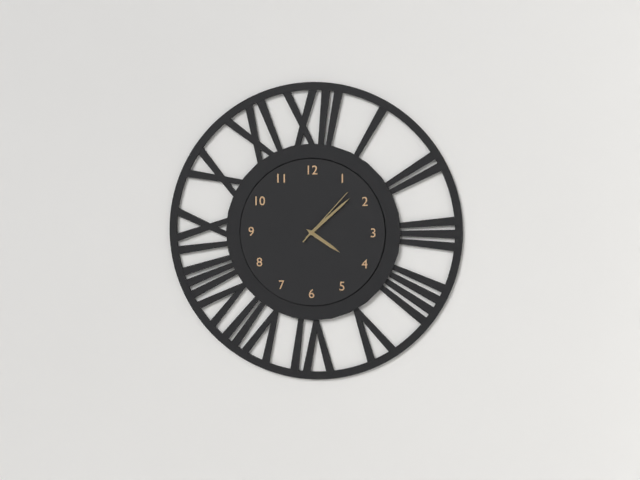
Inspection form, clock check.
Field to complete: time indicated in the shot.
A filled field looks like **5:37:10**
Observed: **4:08:07**
